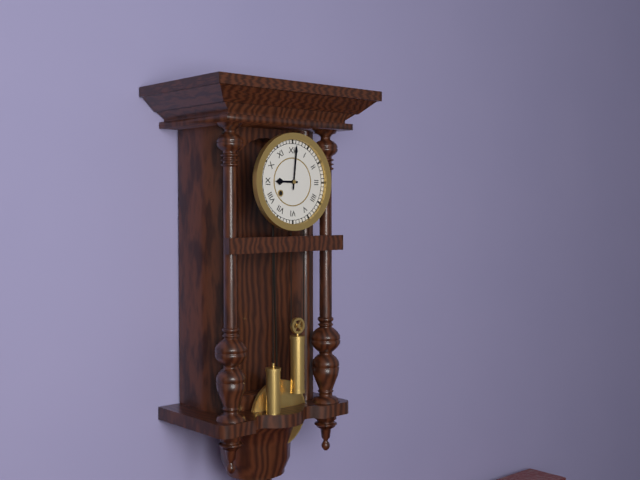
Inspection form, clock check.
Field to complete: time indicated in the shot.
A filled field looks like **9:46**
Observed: **9:01**
